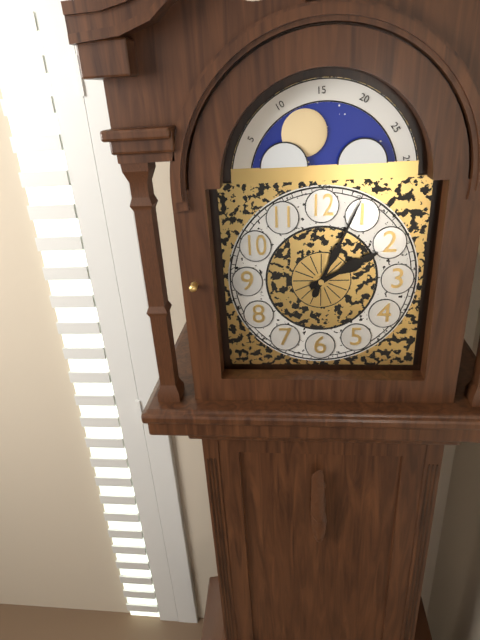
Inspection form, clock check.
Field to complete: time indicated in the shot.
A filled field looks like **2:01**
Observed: **2:04**
